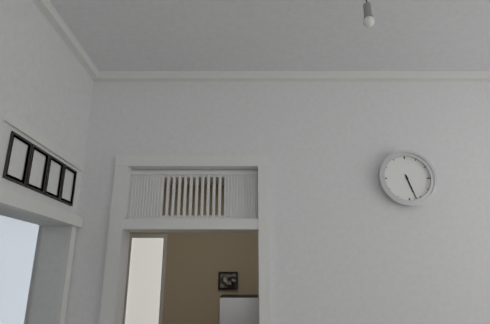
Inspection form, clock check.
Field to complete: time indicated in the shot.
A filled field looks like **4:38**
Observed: **5:27**
